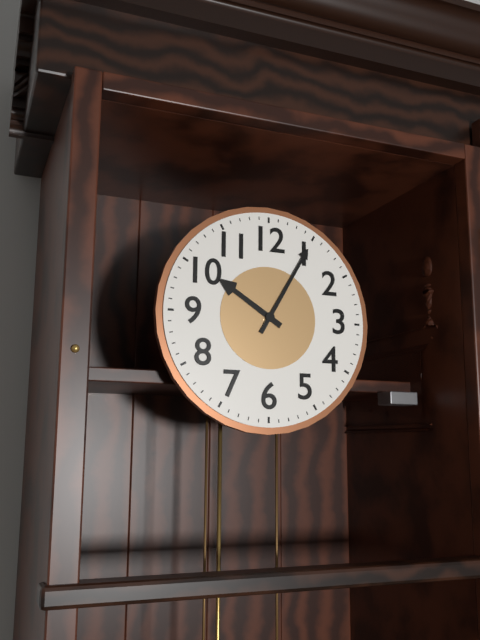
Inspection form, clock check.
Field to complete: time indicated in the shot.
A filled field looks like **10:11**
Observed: **10:05**
